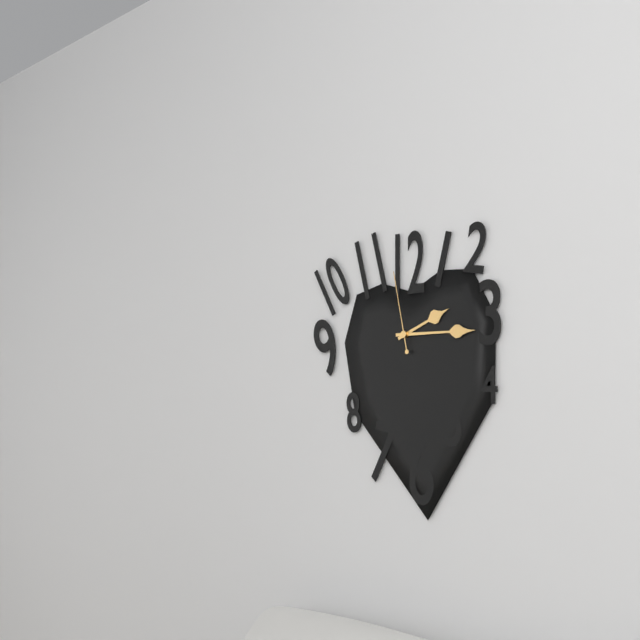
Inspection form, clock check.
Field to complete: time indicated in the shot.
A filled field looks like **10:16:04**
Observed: **2:15:58**
